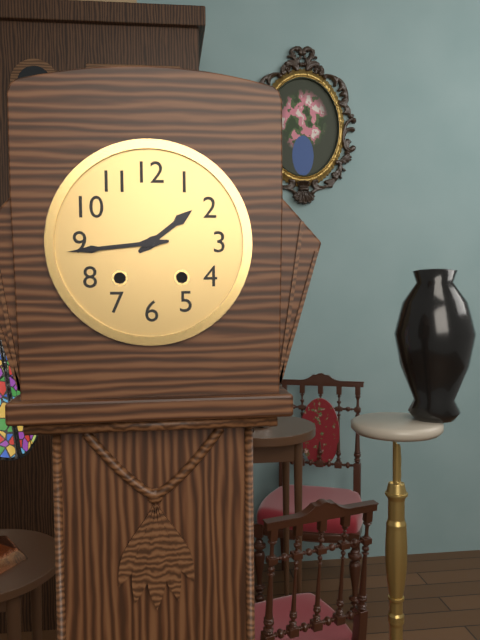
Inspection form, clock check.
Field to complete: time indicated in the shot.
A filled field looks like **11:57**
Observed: **1:44**
